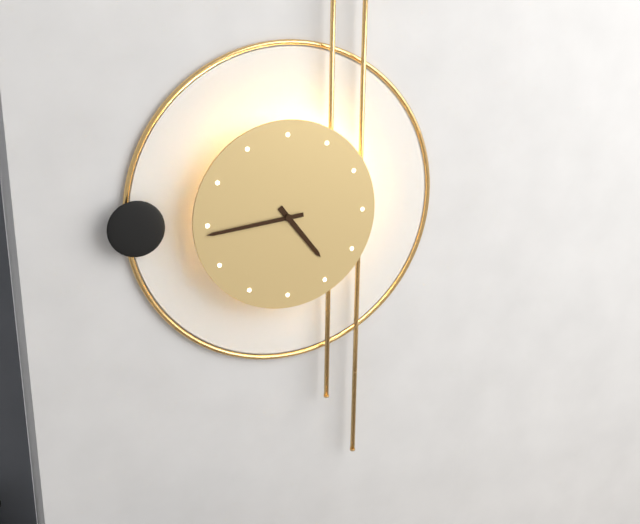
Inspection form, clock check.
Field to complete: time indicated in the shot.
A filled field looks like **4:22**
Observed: **4:44**
